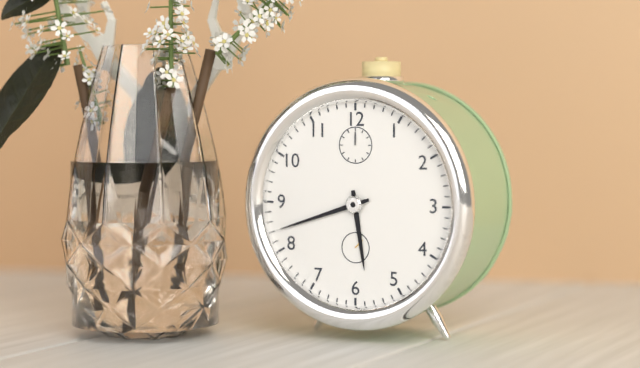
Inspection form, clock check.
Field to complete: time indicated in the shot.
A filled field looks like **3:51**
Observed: **5:42**
